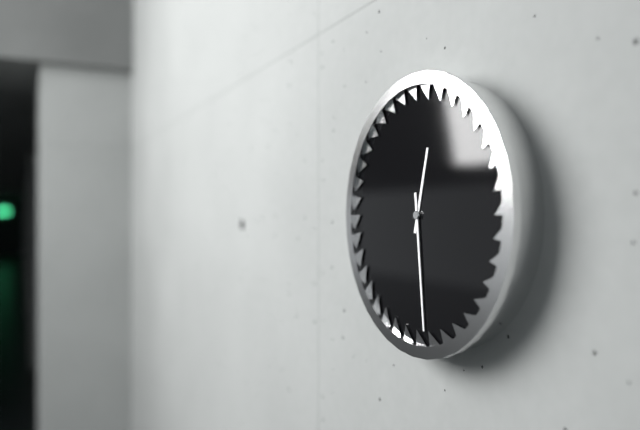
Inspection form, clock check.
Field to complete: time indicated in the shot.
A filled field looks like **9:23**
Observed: **12:29**
